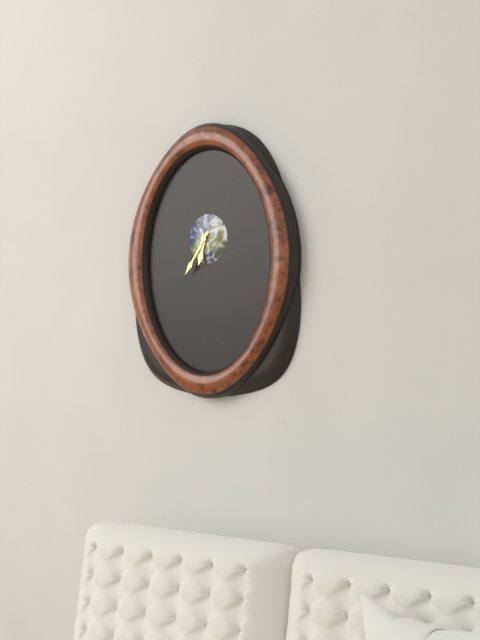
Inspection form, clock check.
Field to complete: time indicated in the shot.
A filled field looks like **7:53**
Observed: **6:36**
